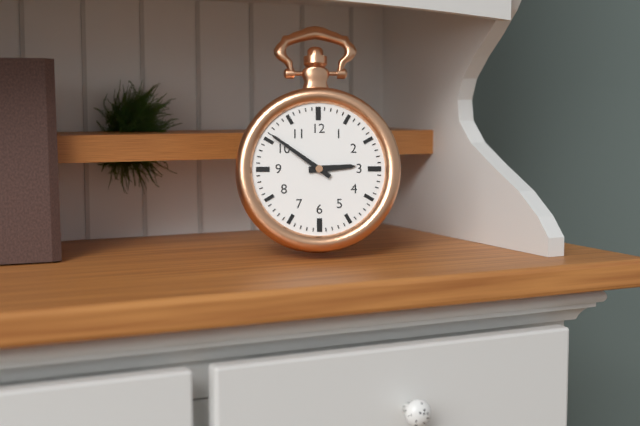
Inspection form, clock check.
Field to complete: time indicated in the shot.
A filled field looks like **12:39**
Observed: **2:51**
